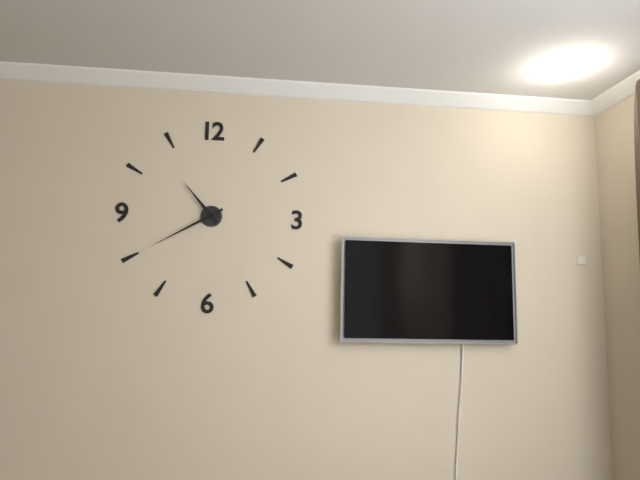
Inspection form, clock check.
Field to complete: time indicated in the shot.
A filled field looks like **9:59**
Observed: **10:40**
